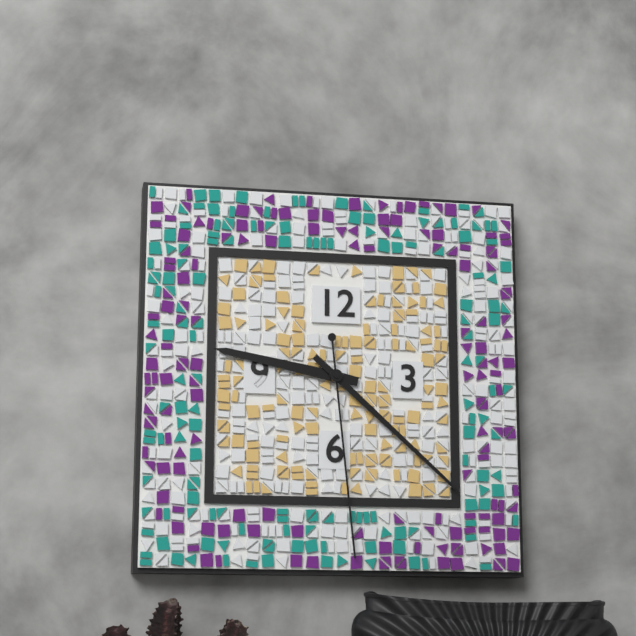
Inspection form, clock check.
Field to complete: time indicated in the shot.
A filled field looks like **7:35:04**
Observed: **9:22:29**
